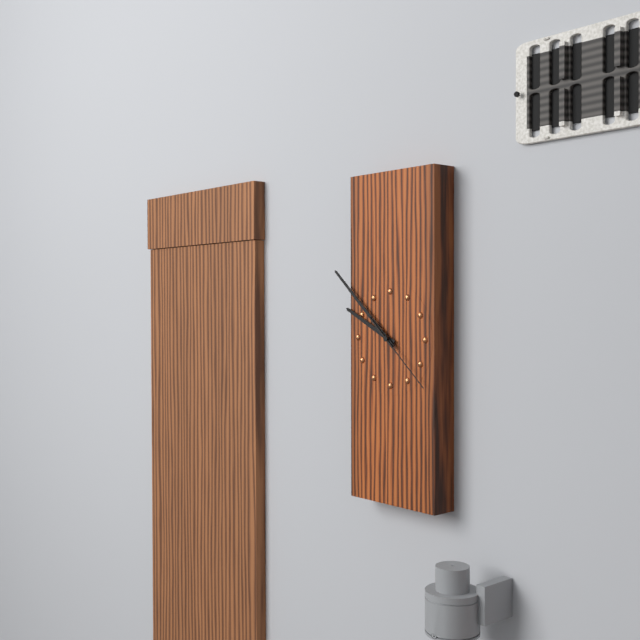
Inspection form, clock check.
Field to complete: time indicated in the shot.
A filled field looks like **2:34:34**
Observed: **9:52:22**
